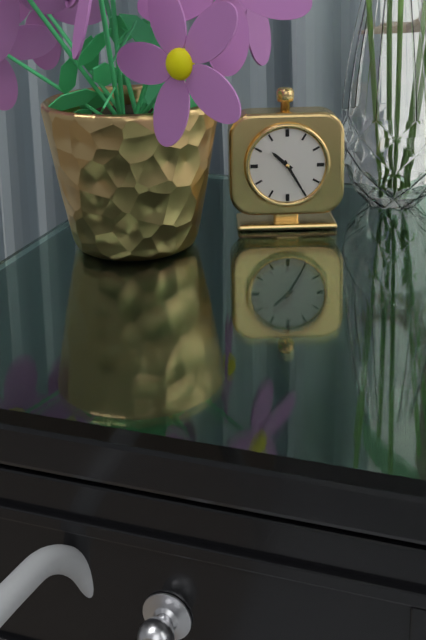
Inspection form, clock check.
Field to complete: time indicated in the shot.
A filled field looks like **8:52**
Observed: **10:25**
